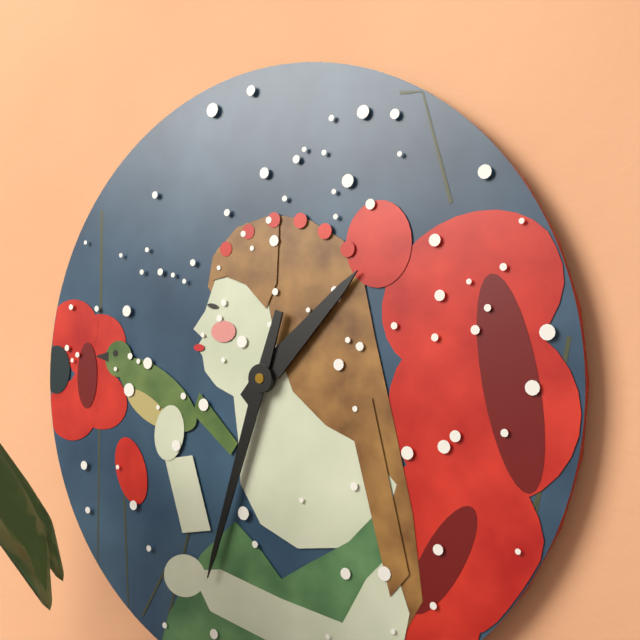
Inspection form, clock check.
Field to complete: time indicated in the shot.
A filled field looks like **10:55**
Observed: **1:33**
